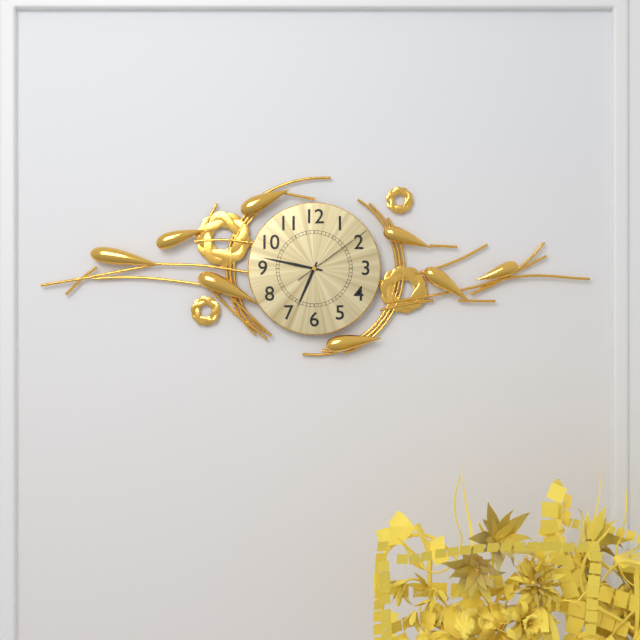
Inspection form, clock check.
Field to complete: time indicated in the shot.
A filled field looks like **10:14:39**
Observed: **6:47:09**
